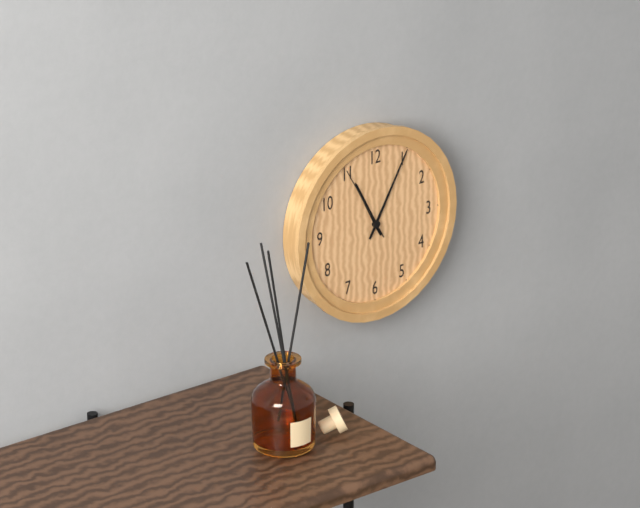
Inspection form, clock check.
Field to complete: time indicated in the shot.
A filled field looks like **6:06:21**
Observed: **11:05:55**
